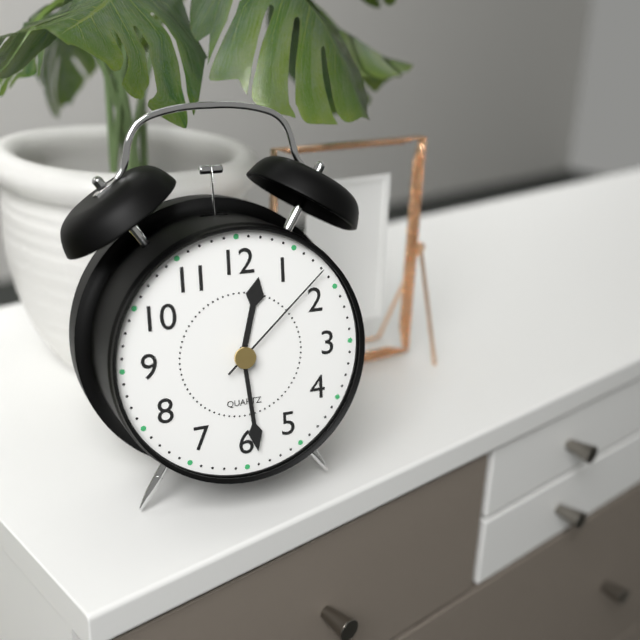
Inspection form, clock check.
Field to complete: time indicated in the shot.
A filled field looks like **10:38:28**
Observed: **12:29:08**
